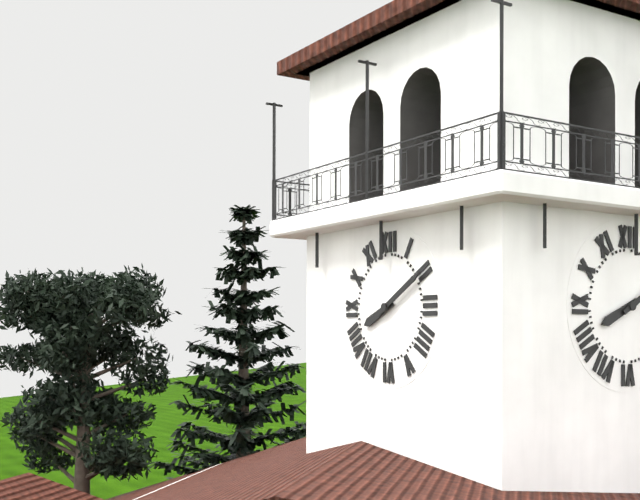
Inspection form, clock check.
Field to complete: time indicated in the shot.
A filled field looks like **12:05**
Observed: **8:10**
